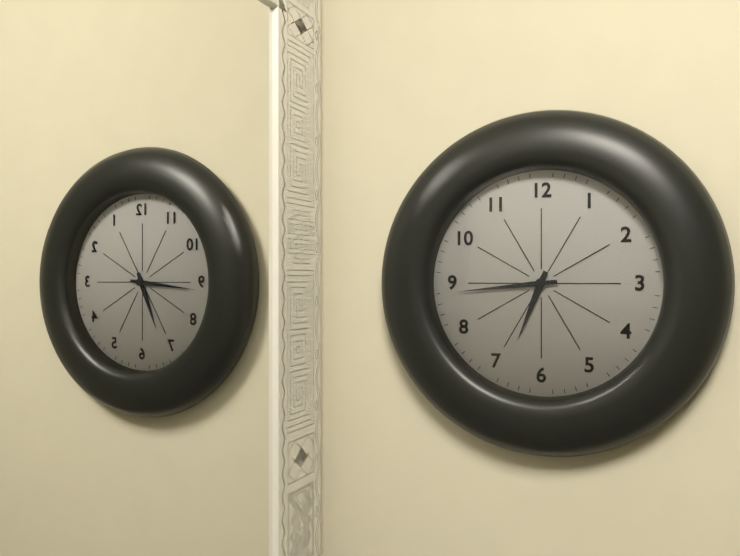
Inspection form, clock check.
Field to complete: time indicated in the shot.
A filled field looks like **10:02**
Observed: **6:44**
